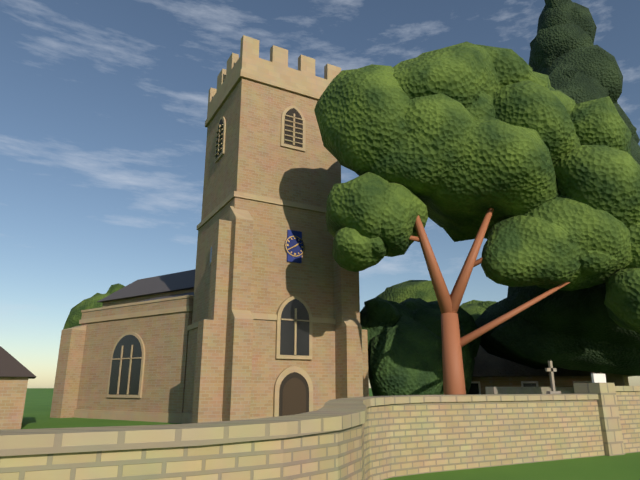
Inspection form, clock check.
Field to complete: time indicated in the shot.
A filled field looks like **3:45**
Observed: **1:40**
